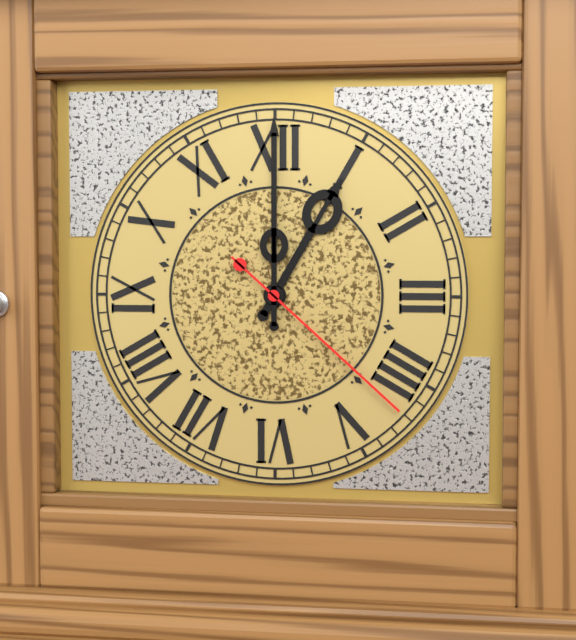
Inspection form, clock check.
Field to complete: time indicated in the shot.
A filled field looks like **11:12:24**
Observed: **1:00:22**
